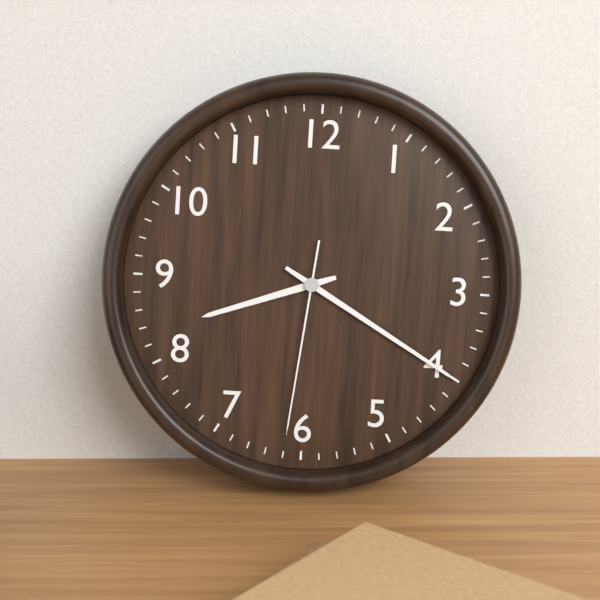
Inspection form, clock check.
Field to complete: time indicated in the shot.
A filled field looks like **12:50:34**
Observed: **8:20:31**
